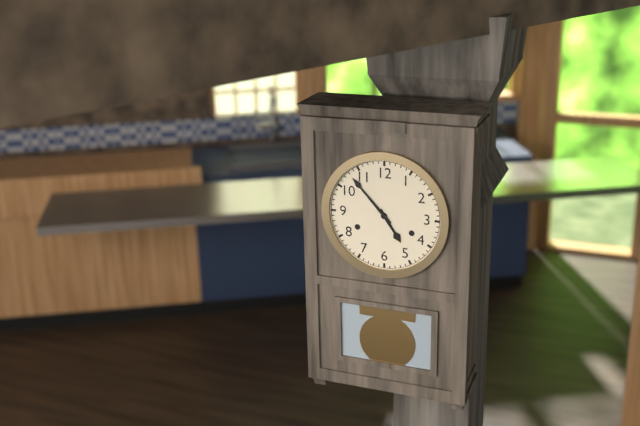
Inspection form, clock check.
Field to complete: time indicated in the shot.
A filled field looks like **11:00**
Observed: **4:53**
